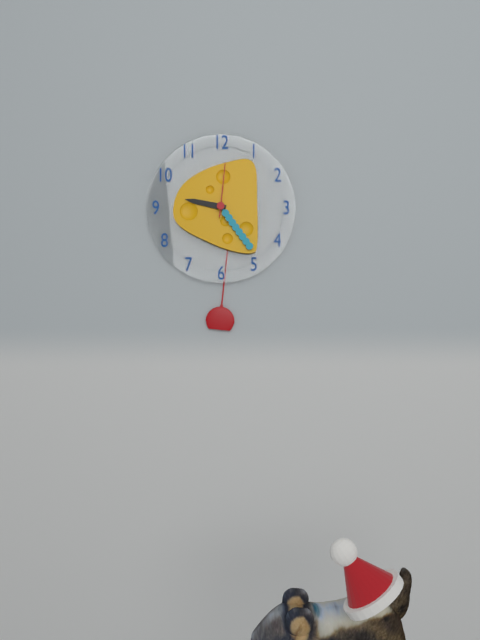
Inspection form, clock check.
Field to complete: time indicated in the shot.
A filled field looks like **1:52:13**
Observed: **9:24:01**
